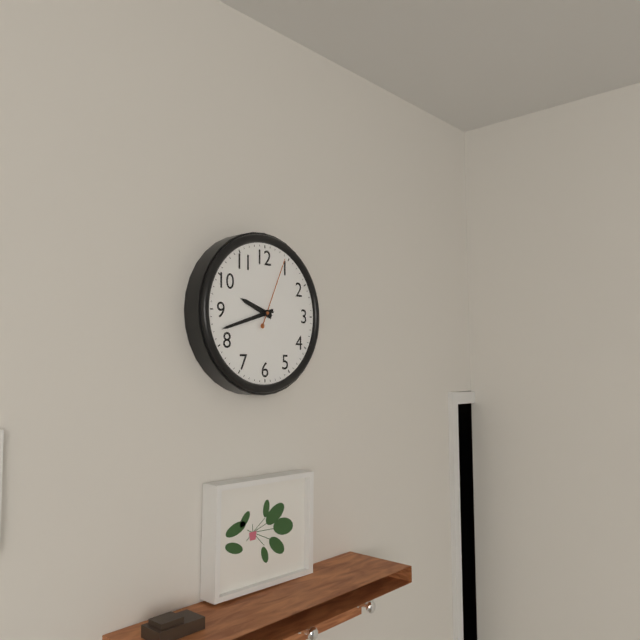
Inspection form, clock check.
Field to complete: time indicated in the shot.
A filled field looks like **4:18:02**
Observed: **9:42:04**
